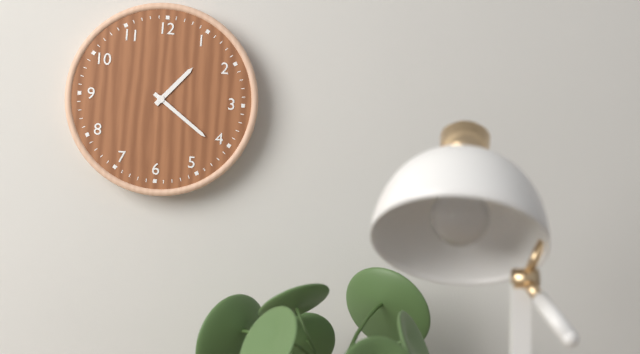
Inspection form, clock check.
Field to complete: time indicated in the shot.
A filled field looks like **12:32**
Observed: **1:21**
